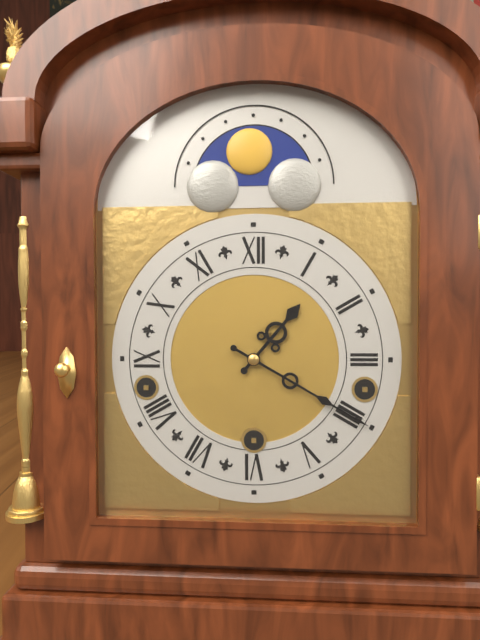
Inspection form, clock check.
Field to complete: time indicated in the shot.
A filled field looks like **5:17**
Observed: **1:20**
